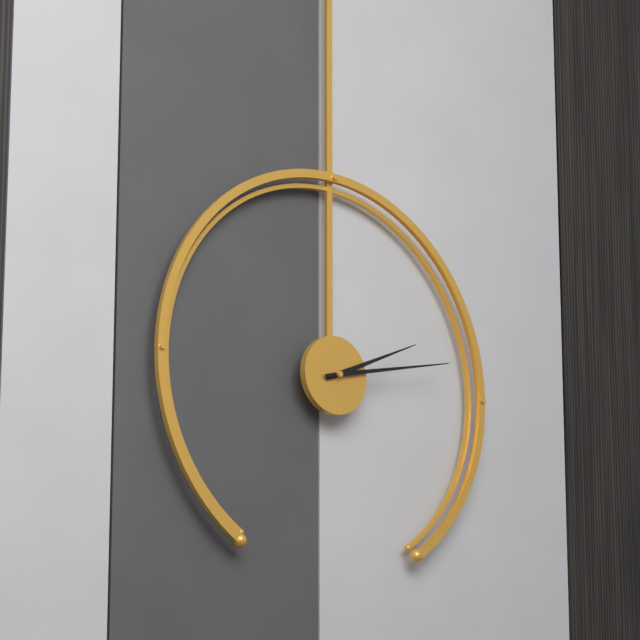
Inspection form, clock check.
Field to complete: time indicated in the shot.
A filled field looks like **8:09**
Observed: **2:13**
